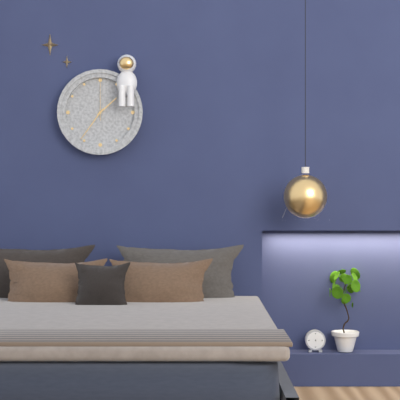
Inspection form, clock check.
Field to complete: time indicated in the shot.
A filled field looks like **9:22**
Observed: **1:36**
